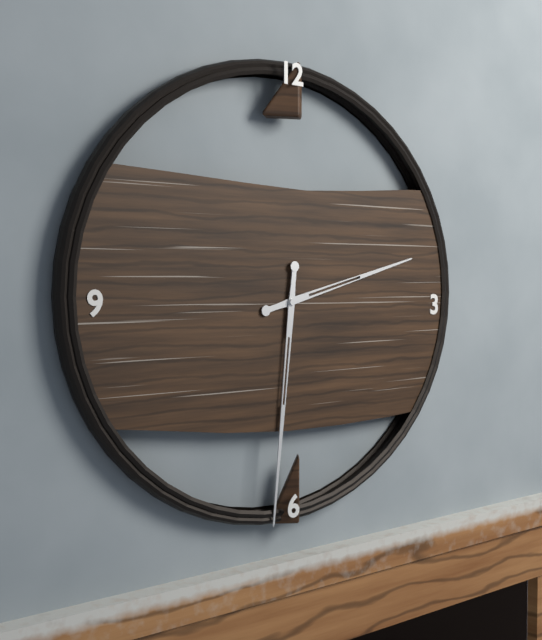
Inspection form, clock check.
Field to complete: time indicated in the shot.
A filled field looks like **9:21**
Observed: **2:31**
